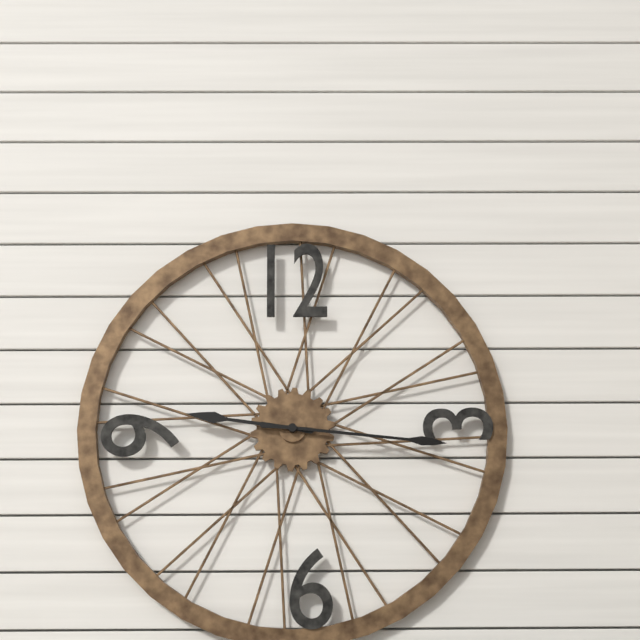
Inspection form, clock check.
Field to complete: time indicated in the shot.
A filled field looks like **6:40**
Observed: **9:16**
